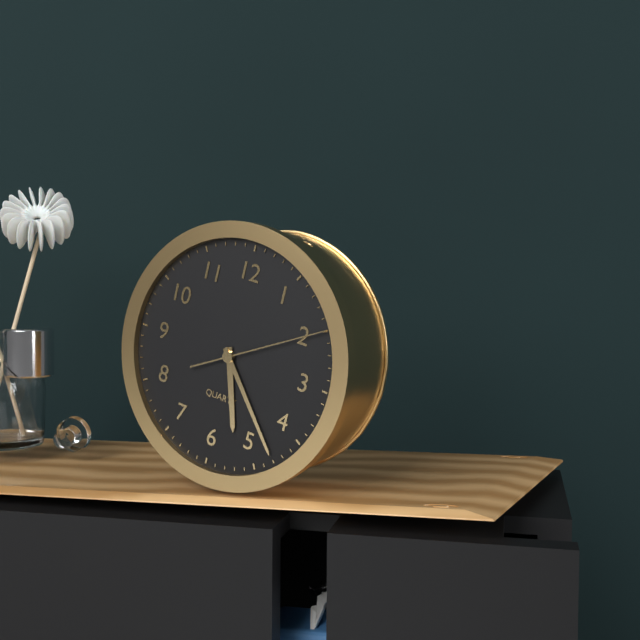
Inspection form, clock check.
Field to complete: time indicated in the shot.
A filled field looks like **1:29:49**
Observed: **5:23:10**
